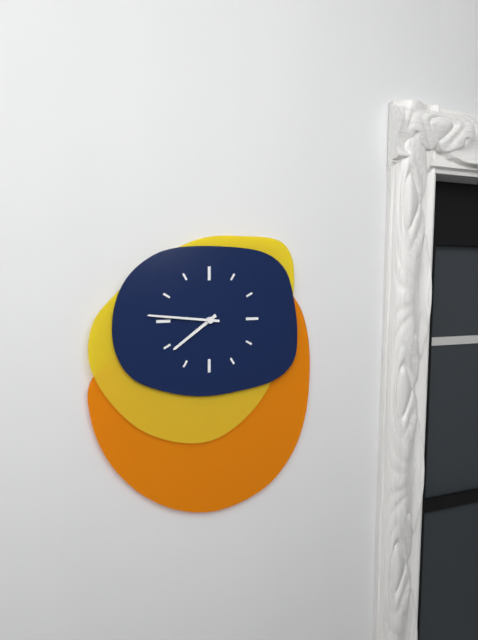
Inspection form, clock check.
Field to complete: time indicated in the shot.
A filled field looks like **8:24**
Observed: **7:46**
